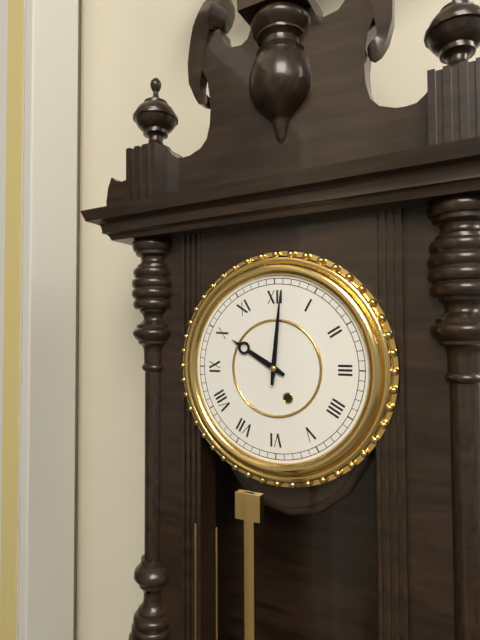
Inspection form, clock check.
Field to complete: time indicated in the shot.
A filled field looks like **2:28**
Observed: **10:01**
